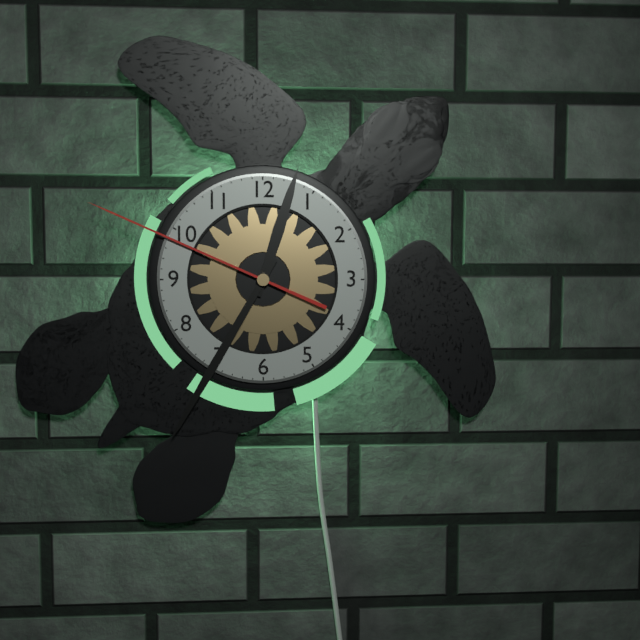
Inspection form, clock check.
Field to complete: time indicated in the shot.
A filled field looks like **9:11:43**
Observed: **12:35:49**
